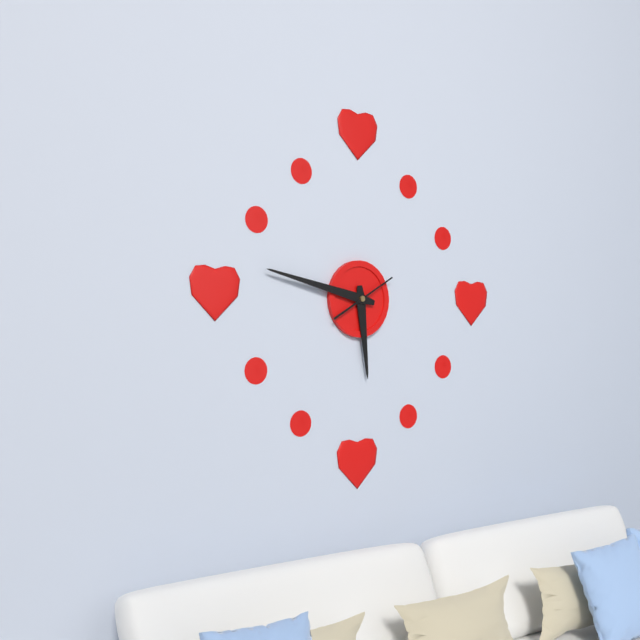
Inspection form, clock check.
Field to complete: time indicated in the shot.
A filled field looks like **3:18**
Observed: **5:47**
